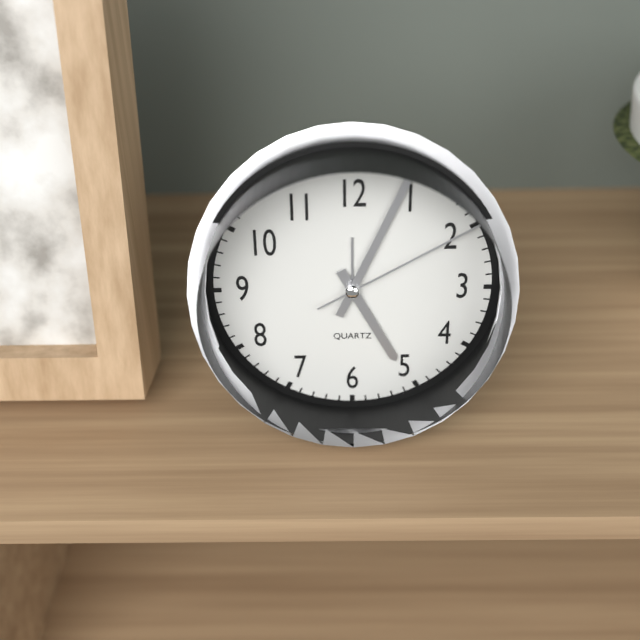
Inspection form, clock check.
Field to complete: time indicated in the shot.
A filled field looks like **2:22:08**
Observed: **5:04:10**
